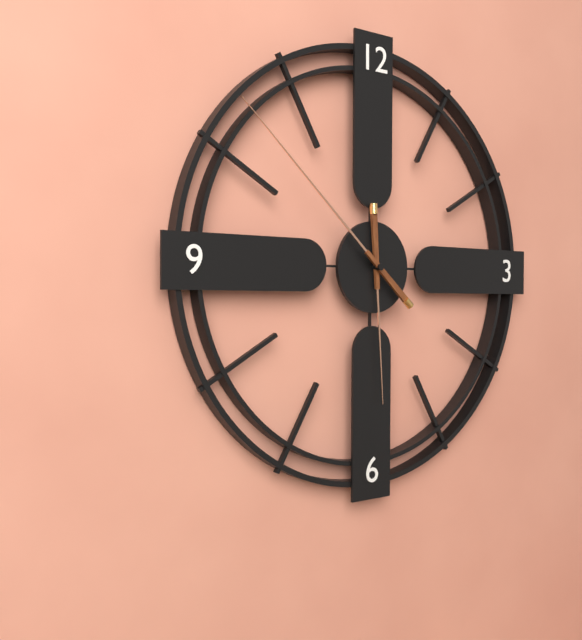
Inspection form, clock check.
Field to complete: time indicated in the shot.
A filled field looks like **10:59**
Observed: **5:52**
